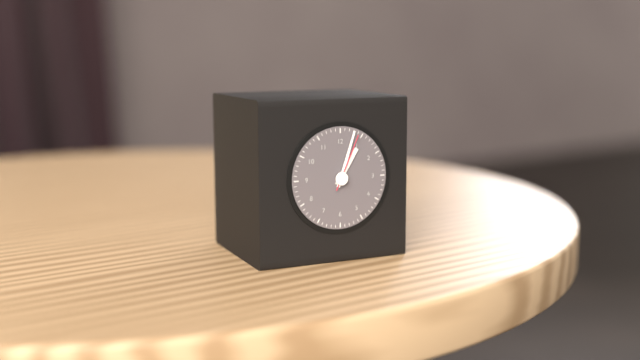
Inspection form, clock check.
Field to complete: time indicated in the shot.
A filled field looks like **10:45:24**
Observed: **1:03:04**
